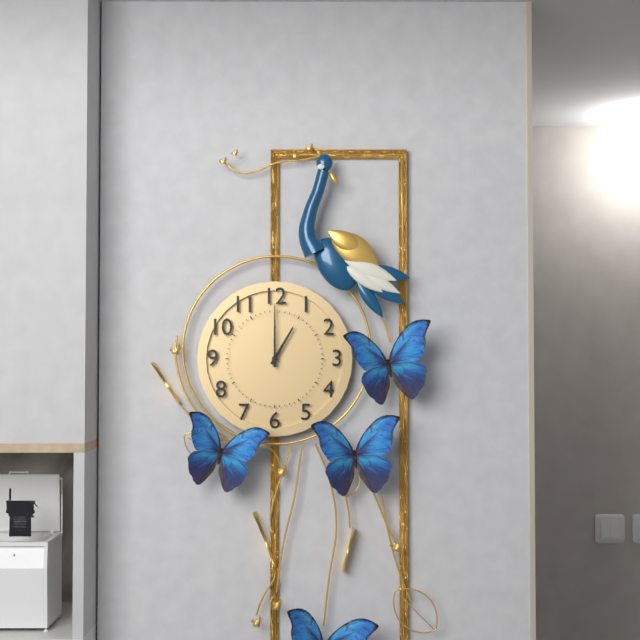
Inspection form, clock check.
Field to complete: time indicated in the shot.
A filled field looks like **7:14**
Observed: **1:00**
